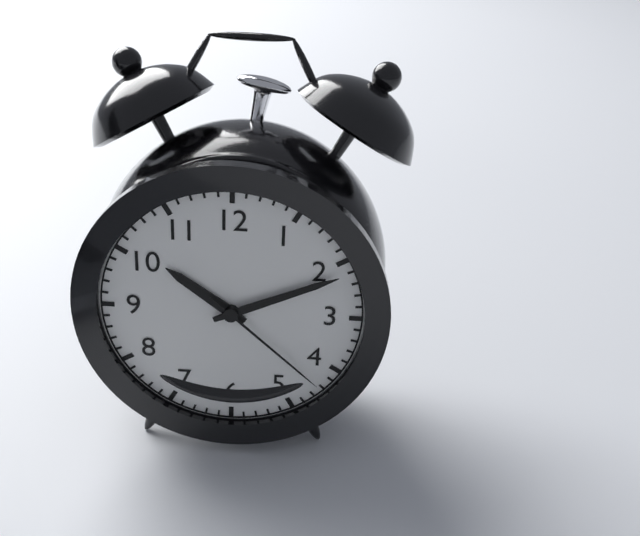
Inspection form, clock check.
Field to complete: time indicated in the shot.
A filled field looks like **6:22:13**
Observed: **10:11:22**
